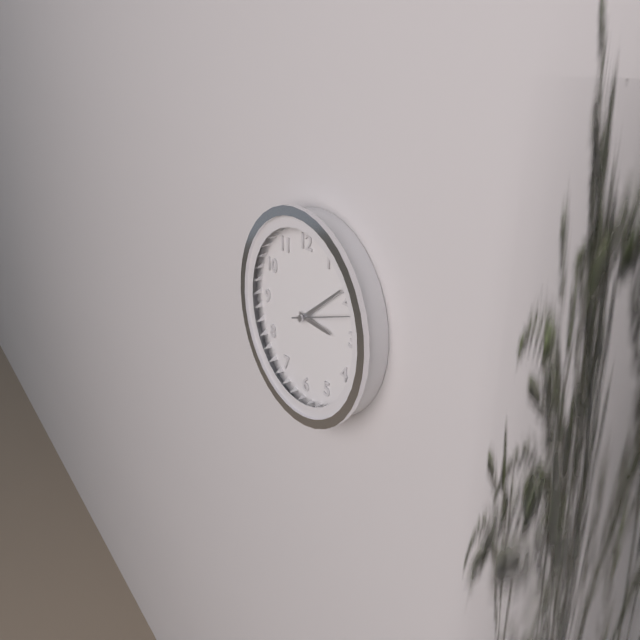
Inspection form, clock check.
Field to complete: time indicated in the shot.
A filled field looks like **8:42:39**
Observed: **3:09:12**
